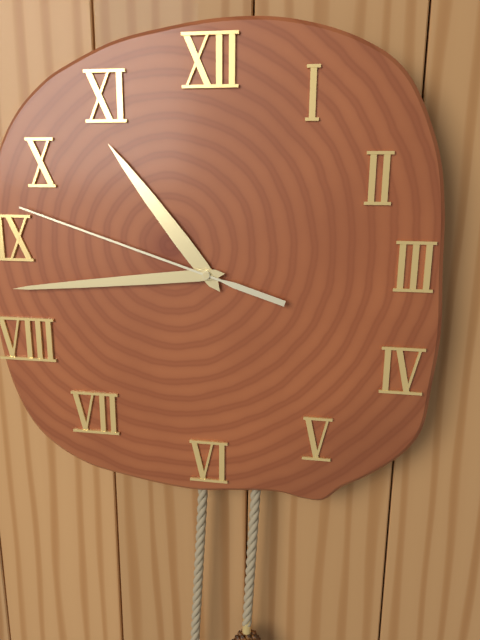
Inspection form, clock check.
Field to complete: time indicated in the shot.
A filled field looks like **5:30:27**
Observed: **10:44:48**
